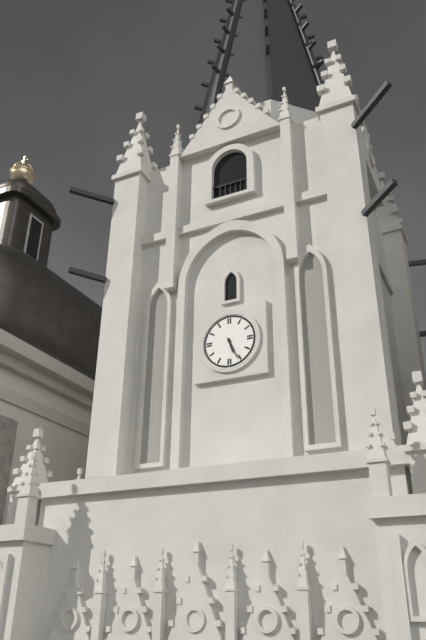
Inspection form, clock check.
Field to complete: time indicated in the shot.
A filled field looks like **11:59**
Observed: **5:26**
